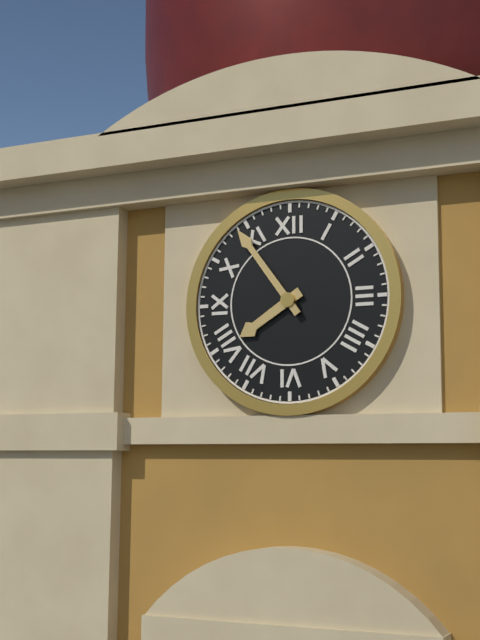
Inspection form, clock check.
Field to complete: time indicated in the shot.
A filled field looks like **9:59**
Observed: **7:54**
